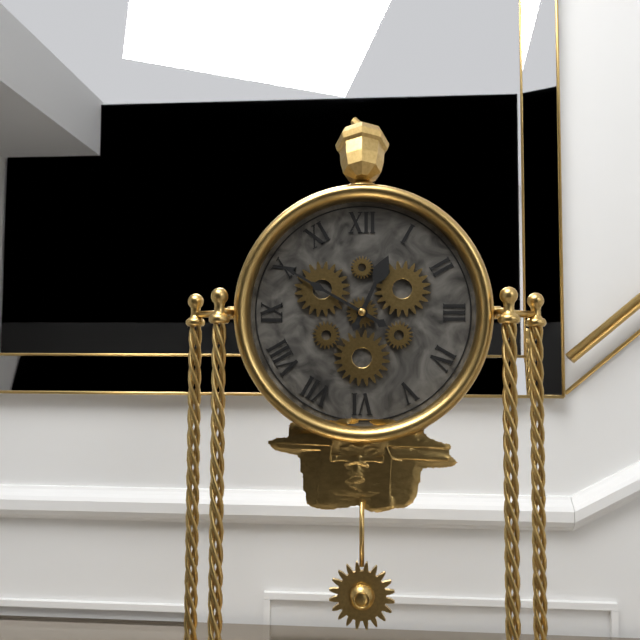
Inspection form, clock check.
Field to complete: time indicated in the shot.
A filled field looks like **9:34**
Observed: **12:50**
